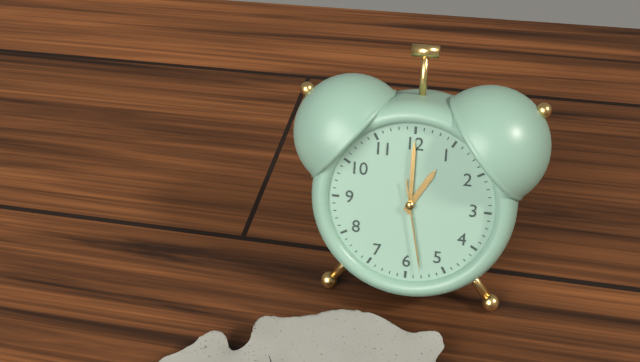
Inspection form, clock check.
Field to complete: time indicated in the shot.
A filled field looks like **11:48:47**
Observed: **1:00:28**
